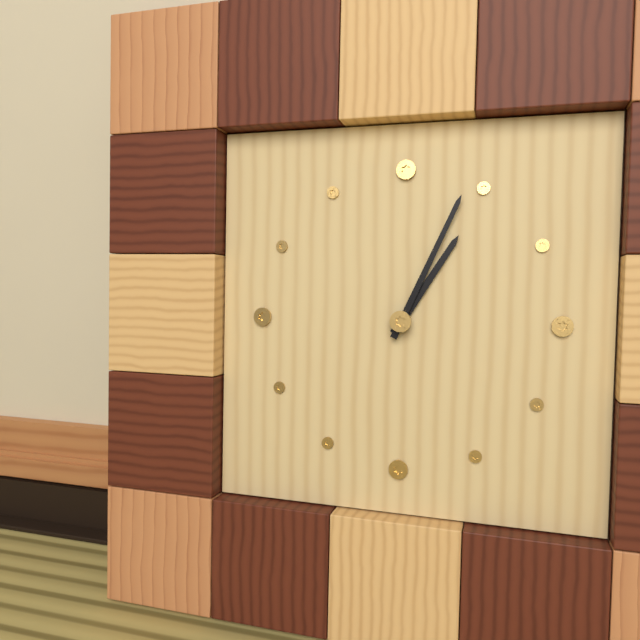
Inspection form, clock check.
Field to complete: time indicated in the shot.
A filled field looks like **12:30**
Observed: **1:04**
